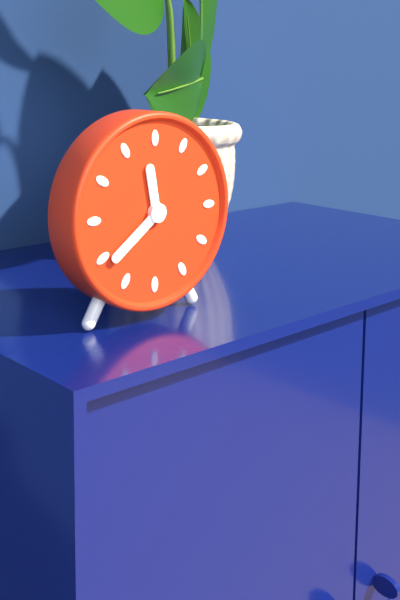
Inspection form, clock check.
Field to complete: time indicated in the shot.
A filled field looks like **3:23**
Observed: **11:39**
